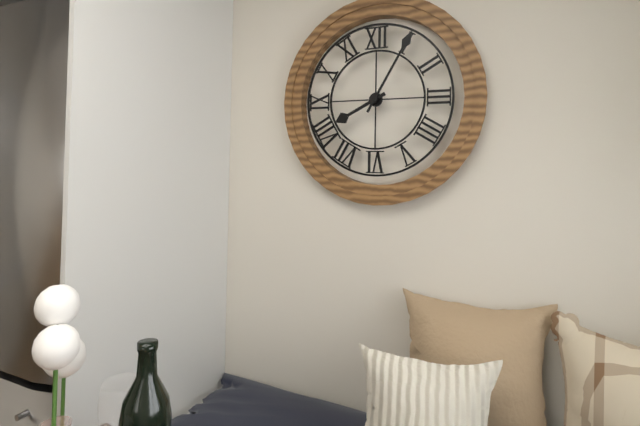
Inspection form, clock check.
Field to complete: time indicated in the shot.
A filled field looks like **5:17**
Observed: **8:05**
